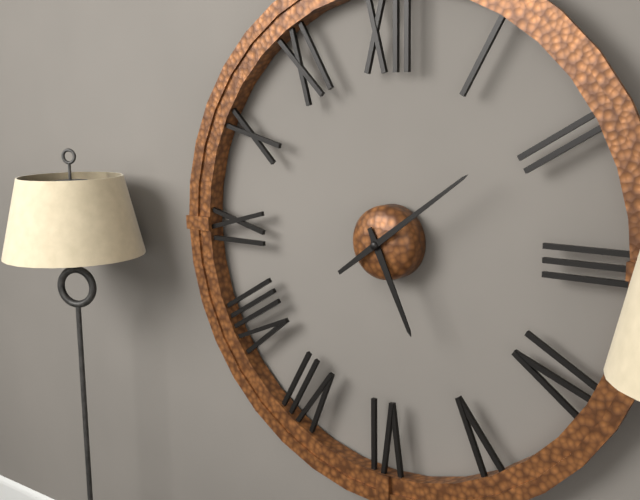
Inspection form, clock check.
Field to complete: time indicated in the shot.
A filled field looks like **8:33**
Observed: **5:09**
